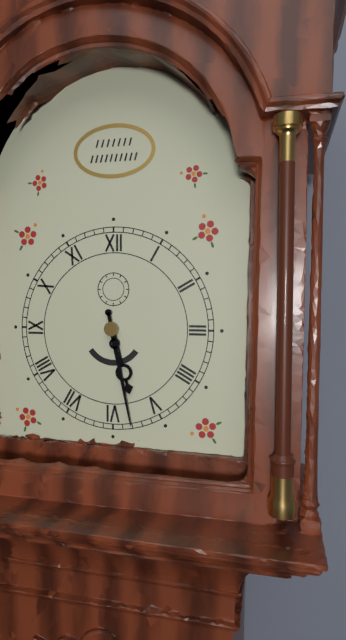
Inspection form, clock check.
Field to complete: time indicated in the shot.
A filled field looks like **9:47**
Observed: **5:28**
